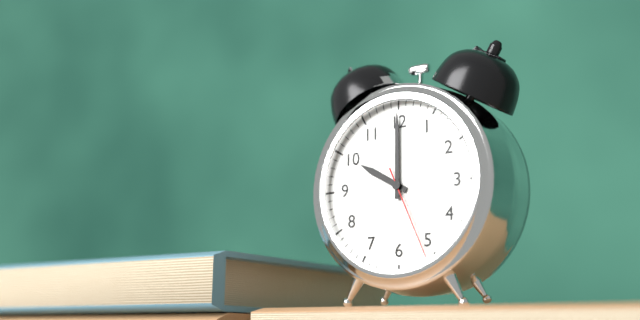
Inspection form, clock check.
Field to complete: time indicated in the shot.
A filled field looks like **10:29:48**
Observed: **10:00:26**
